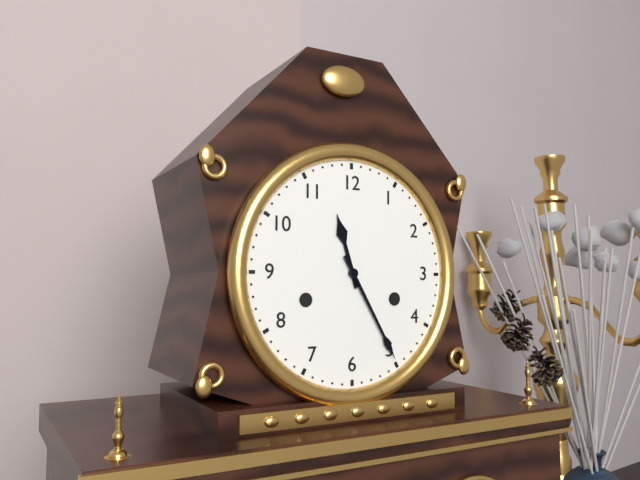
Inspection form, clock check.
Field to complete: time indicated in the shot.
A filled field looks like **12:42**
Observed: **11:25**
